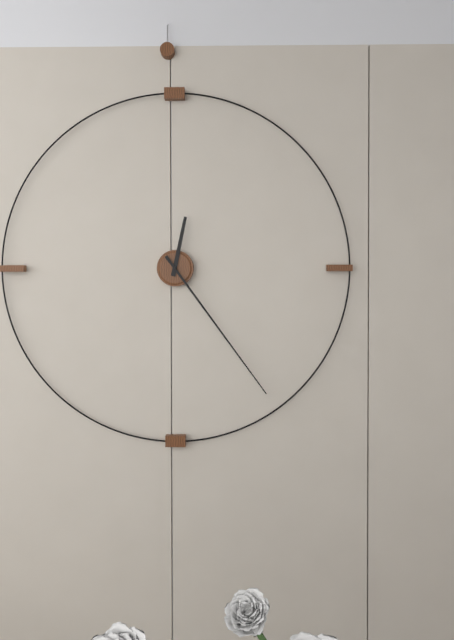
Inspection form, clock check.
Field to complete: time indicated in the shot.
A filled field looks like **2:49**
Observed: **12:24**
